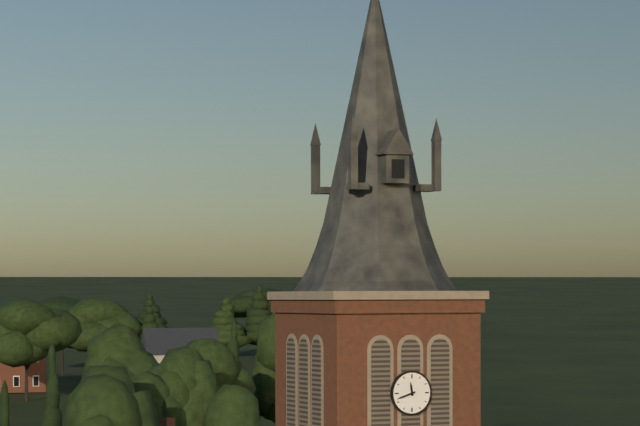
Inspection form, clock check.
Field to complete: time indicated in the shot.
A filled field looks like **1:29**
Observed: **11:42**
